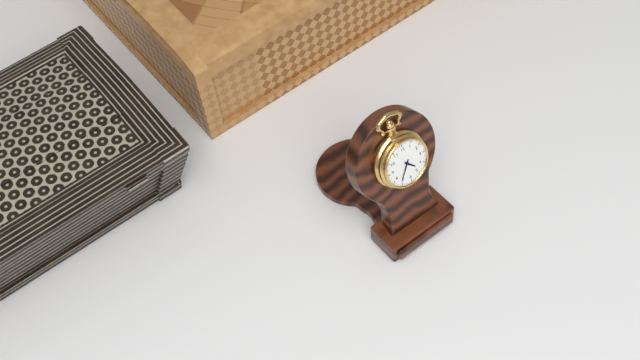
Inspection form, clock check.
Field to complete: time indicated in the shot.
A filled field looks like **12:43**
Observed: **4:36**
